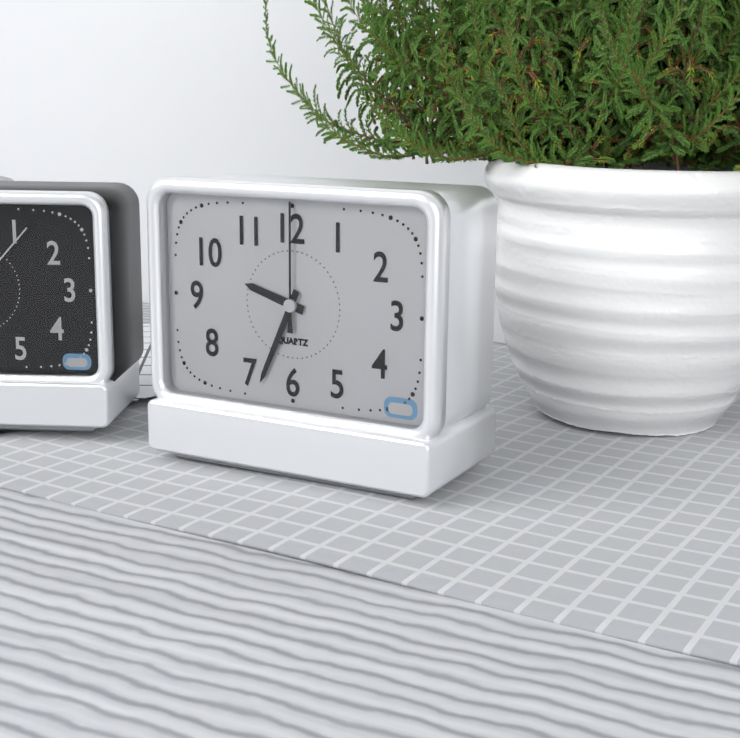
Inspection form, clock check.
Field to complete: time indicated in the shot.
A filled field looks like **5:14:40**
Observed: **9:34:00**
